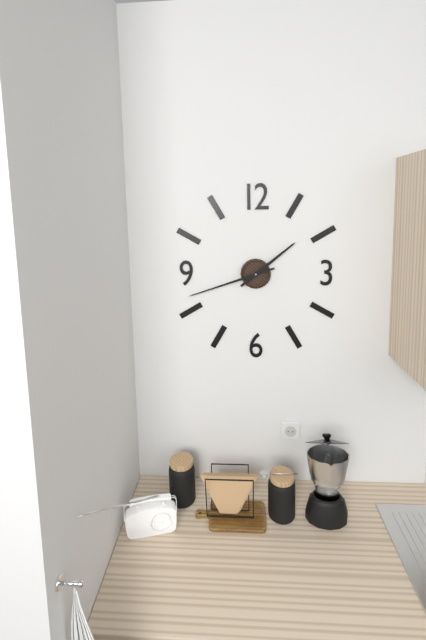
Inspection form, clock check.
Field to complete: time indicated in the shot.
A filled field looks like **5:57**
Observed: **1:42**
